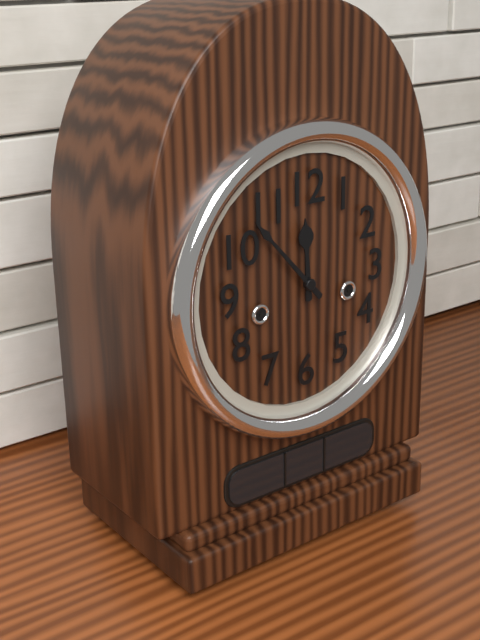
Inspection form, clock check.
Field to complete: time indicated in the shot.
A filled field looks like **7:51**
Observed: **11:53**
